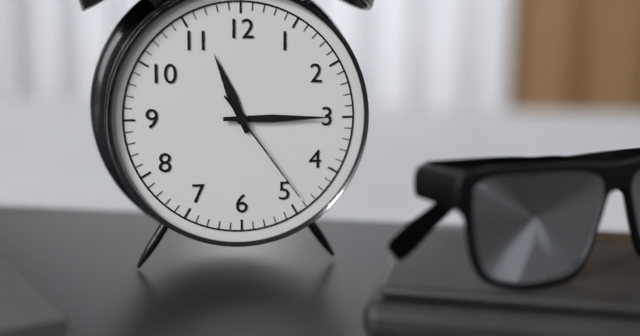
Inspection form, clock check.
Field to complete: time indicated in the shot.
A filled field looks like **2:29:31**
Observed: **11:15:24**
